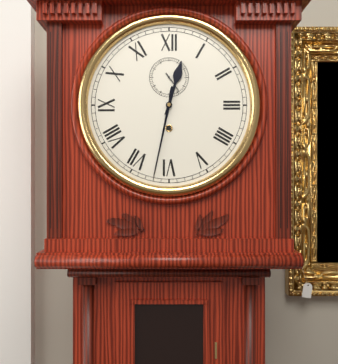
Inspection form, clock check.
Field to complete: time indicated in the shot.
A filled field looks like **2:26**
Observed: **12:32**
